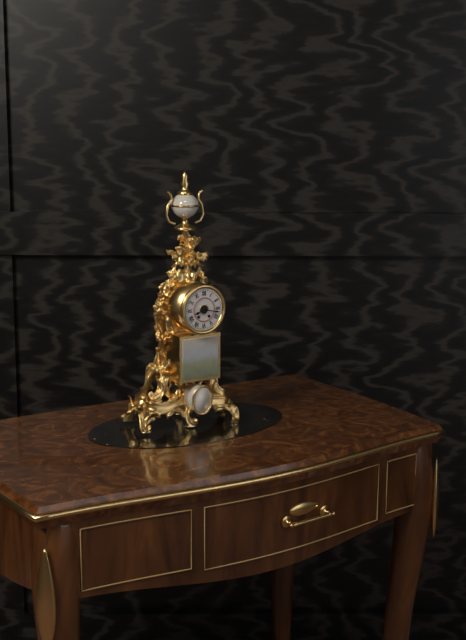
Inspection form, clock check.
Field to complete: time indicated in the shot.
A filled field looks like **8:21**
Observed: **8:17**
